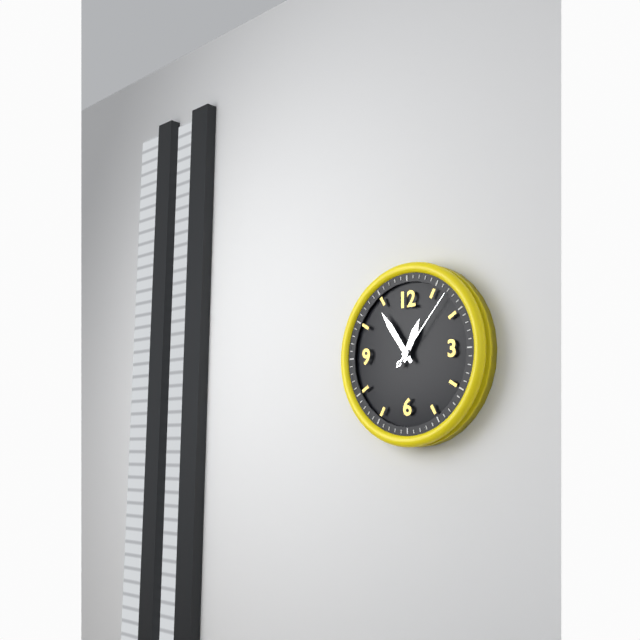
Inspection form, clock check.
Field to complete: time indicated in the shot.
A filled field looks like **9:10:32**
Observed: **12:54:07**
